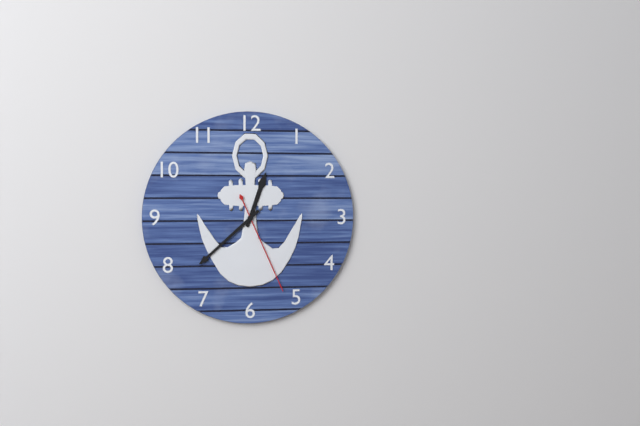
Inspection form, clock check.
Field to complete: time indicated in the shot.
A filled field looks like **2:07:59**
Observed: **12:38:26**
